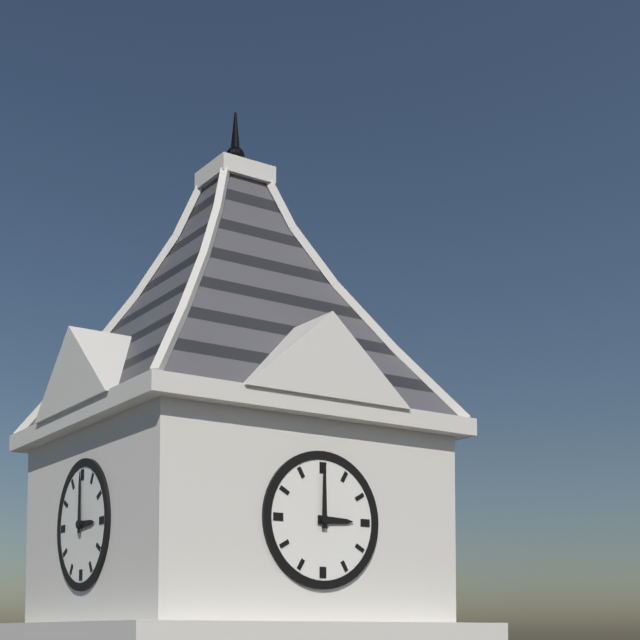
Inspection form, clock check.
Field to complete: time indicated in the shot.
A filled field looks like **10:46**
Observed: **3:00**
